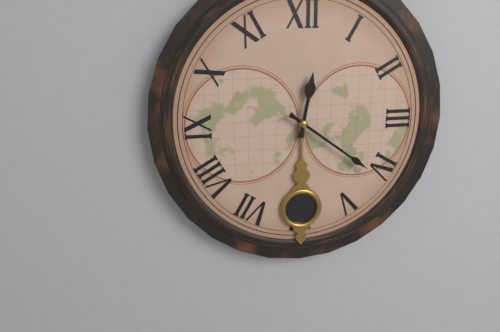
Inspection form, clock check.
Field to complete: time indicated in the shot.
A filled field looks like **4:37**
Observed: **12:21**
